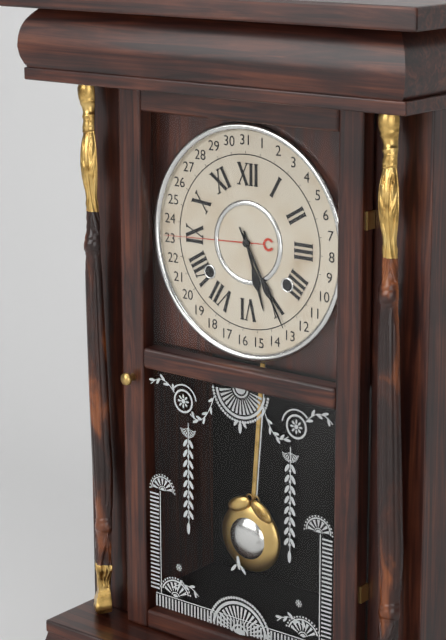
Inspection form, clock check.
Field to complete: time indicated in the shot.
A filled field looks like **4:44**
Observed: **5:25**
